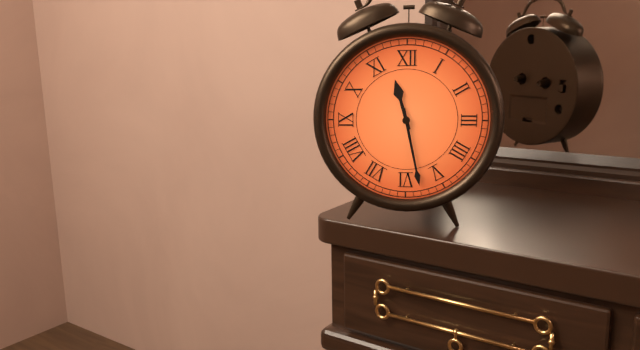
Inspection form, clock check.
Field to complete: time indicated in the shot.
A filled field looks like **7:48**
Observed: **11:28**
